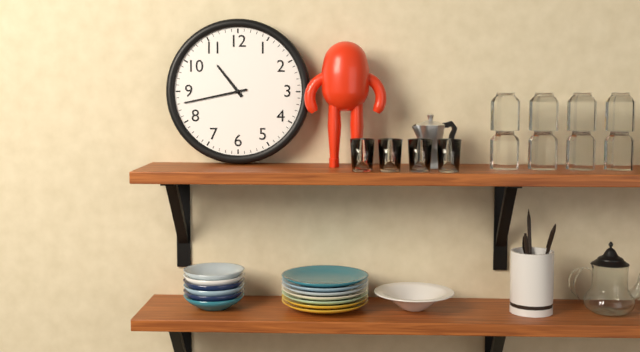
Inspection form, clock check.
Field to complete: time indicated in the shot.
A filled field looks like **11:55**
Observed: **10:43**
